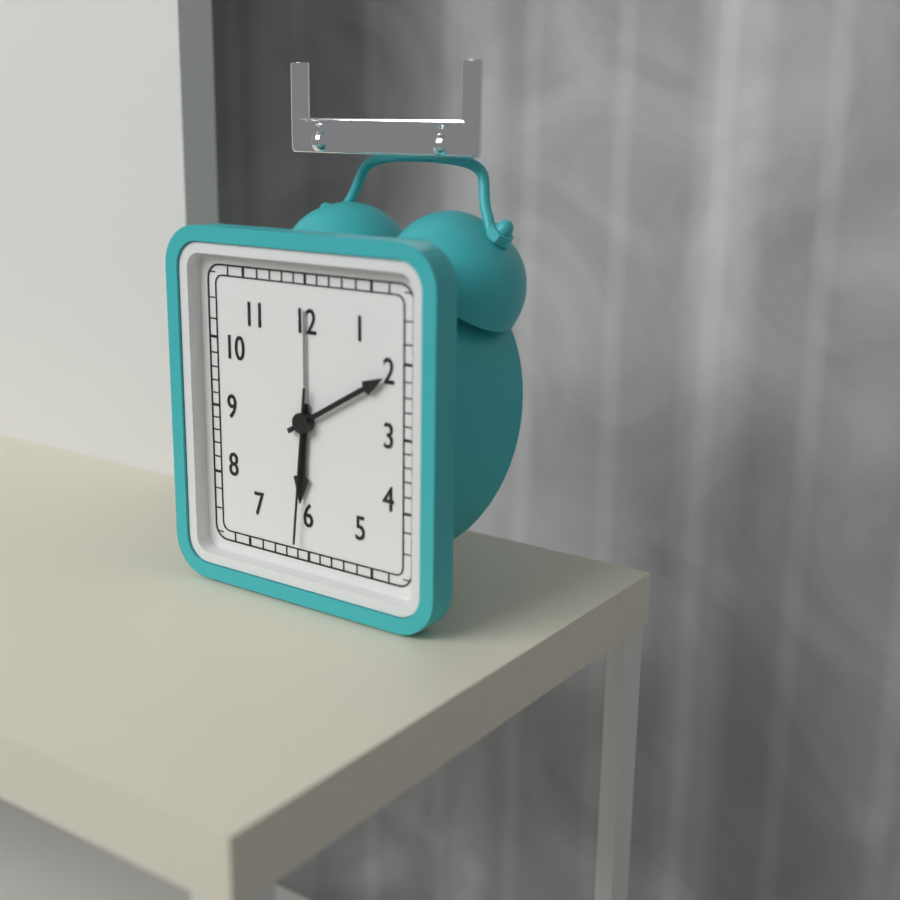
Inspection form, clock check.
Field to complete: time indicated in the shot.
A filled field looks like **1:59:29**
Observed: **6:10:31**
